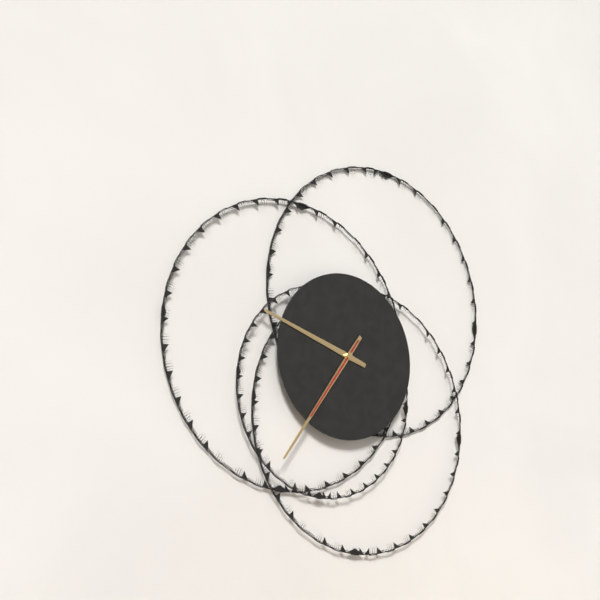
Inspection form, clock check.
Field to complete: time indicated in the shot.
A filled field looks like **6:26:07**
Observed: **9:36:36**
